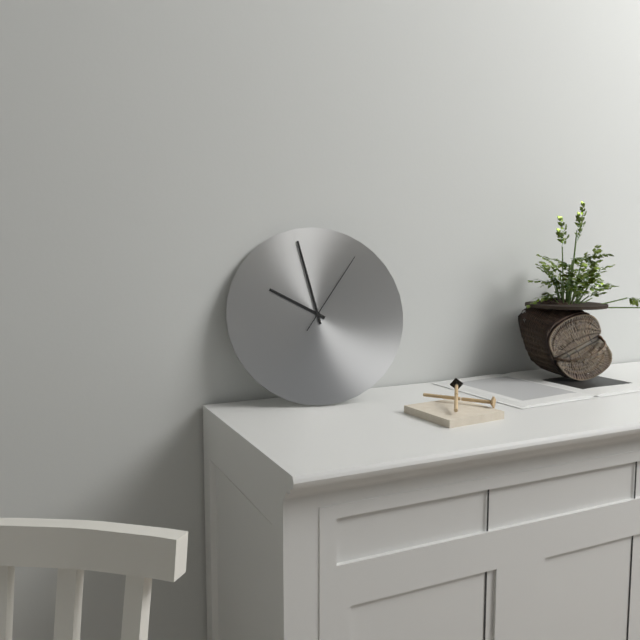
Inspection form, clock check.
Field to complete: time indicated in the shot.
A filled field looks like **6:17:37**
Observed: **9:58:06**
